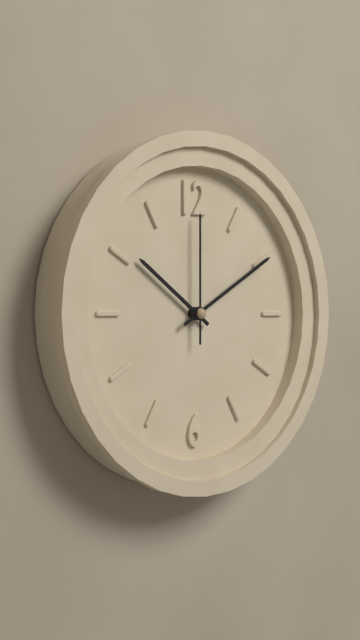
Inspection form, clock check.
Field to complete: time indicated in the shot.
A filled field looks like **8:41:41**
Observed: **10:10:00**
